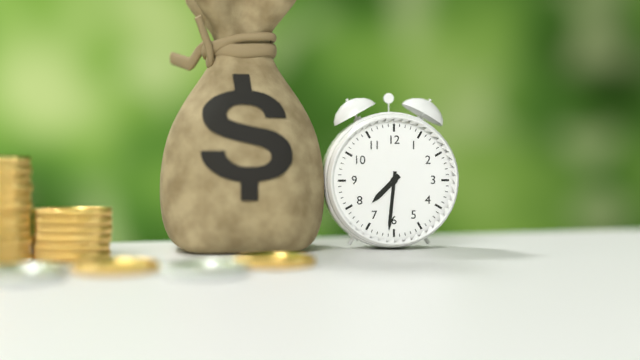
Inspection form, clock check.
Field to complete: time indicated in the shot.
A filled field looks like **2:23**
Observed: **7:31**
